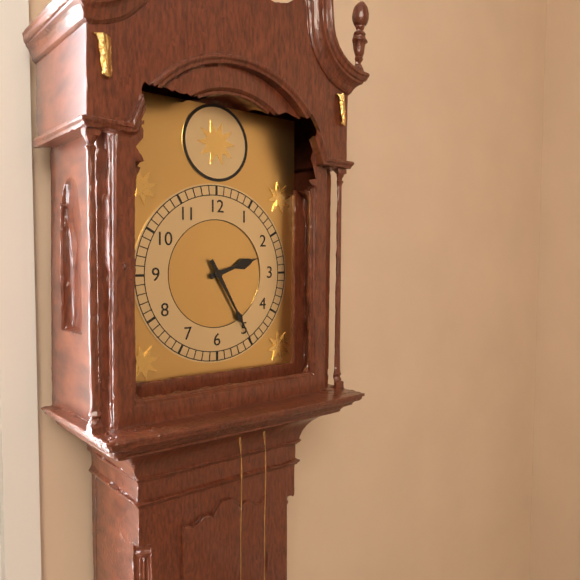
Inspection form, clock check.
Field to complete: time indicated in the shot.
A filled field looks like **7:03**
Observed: **2:25**
